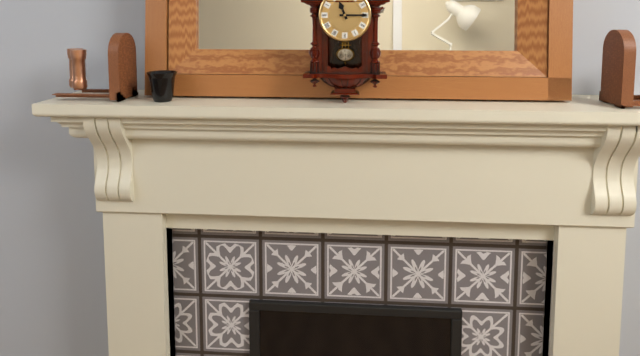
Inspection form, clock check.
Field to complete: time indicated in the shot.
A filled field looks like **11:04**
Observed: **11:15**
